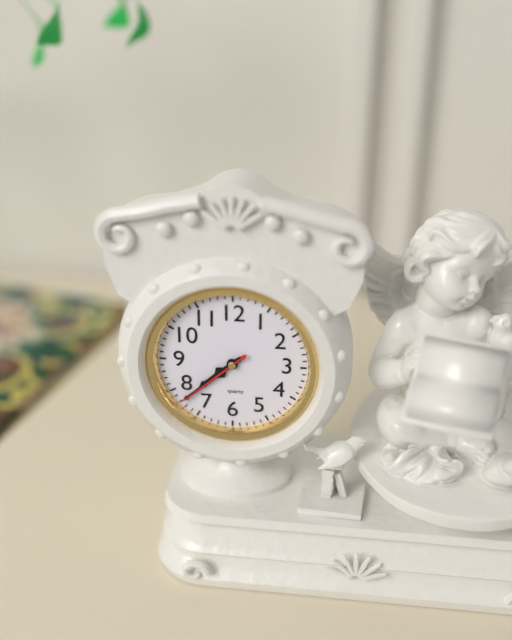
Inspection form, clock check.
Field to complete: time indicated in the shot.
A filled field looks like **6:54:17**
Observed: **7:38:38**
